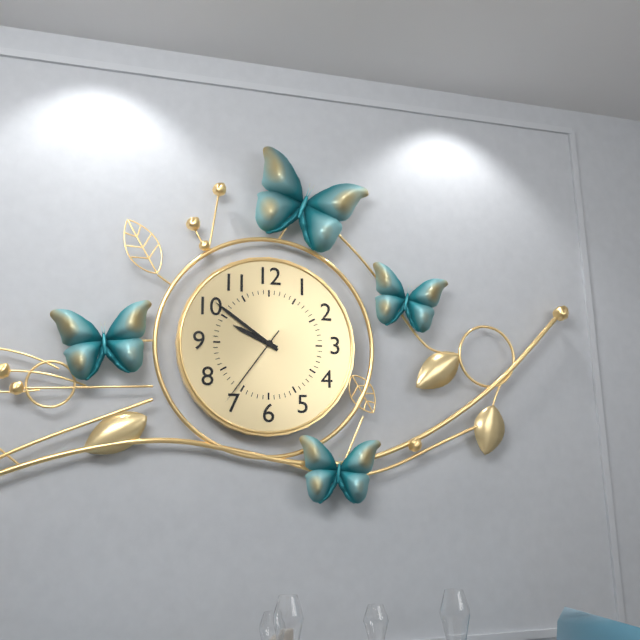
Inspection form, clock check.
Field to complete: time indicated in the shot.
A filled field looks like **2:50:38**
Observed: **9:51:36**
